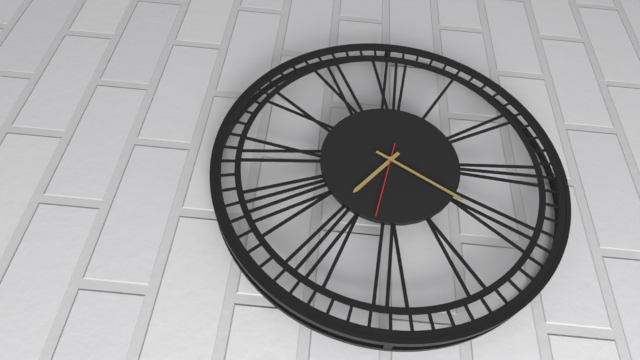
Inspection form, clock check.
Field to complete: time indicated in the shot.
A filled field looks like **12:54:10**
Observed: **7:20:32**
